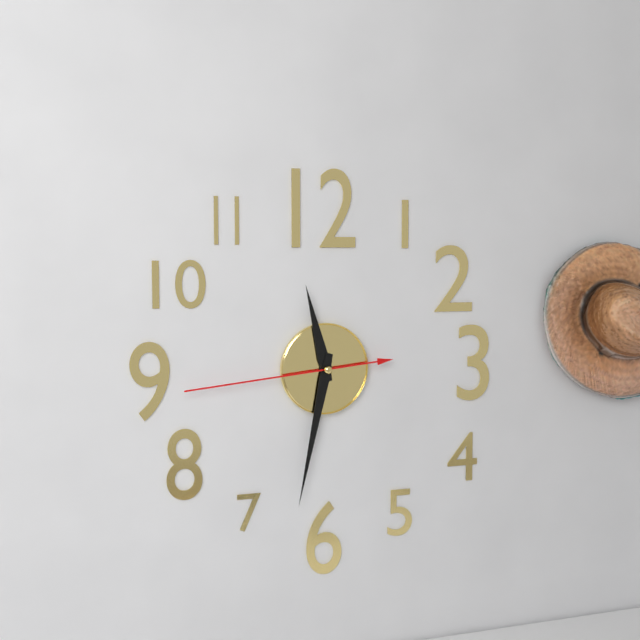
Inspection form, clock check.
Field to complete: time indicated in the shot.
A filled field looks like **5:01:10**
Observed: **11:32:44**
